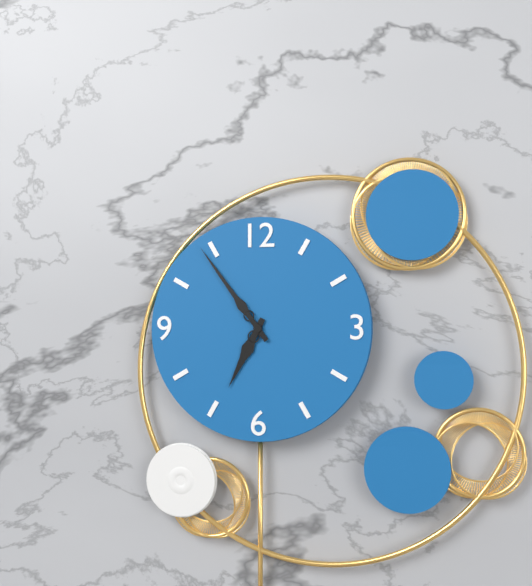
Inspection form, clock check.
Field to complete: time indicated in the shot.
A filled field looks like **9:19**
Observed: **6:54**
